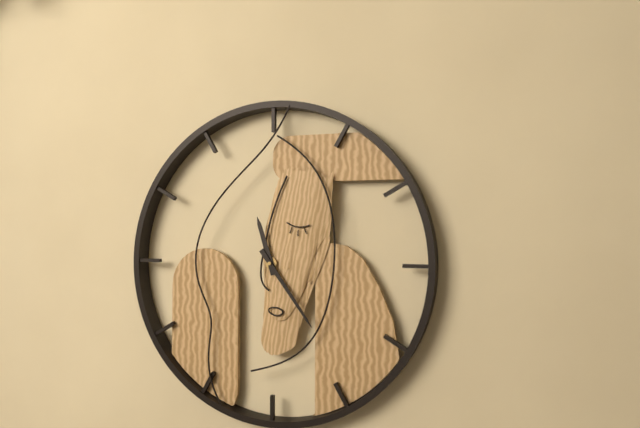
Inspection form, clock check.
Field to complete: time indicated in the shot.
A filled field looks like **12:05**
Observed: **11:24**
